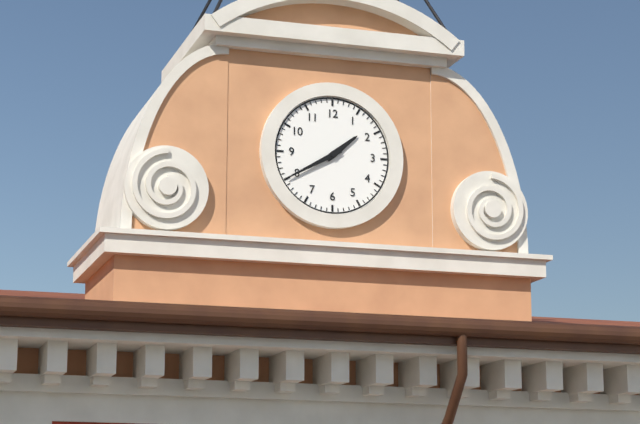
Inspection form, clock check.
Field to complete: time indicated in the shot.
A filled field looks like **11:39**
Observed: **1:40**
